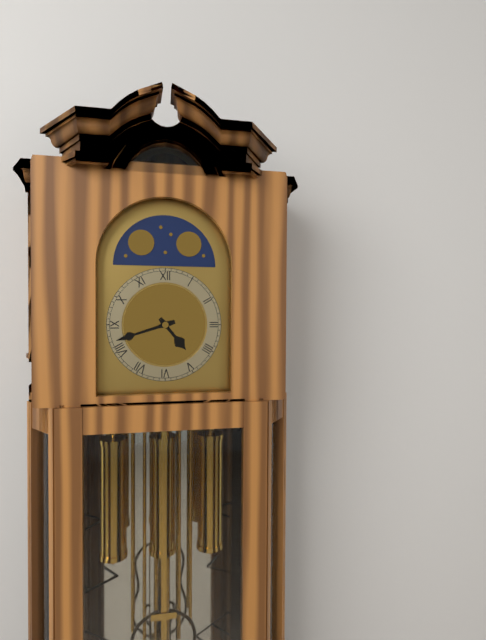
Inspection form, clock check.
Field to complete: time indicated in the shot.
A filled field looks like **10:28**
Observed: **4:42**
